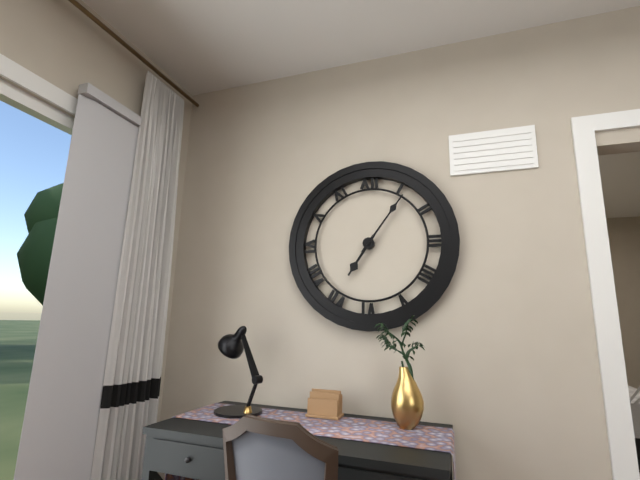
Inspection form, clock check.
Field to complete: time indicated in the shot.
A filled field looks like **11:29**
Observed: **7:06**
